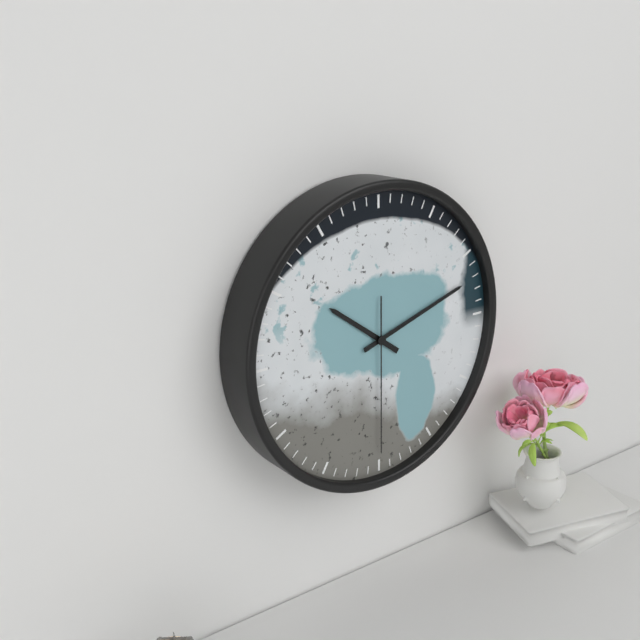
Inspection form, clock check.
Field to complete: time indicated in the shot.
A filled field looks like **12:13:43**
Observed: **10:12:30**
